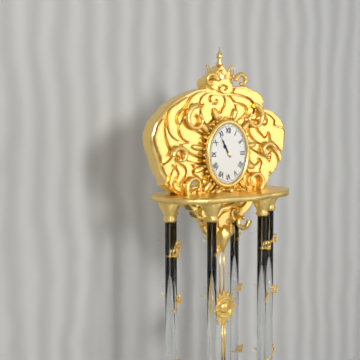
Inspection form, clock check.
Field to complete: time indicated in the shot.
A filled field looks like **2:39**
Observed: **10:55**
